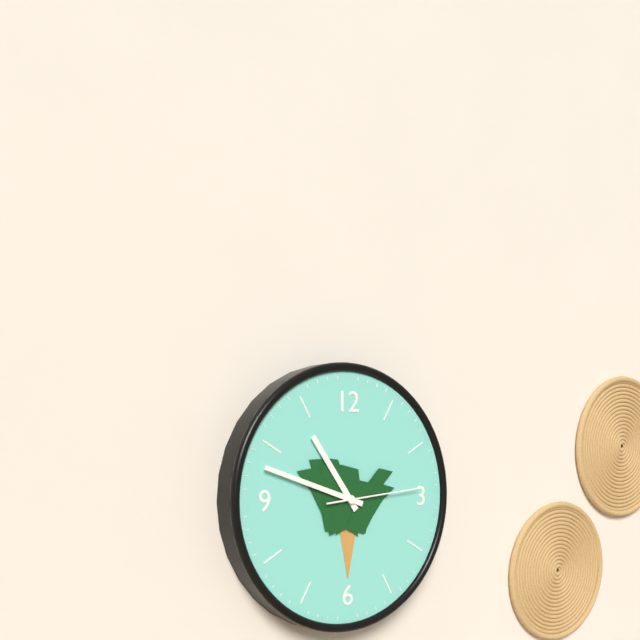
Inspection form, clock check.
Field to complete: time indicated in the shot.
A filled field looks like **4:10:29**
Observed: **10:48:14**
